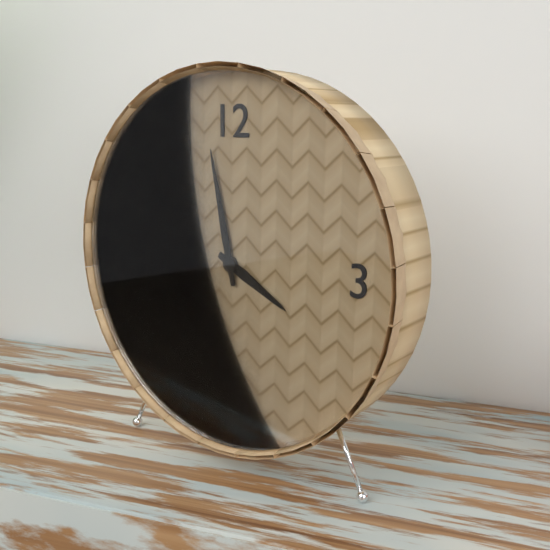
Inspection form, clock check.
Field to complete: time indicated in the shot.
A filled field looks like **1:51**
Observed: **3:58**
